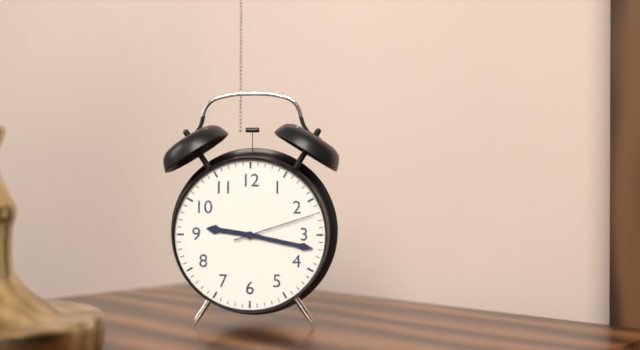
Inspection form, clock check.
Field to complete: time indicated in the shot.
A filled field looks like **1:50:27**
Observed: **9:17:12**
